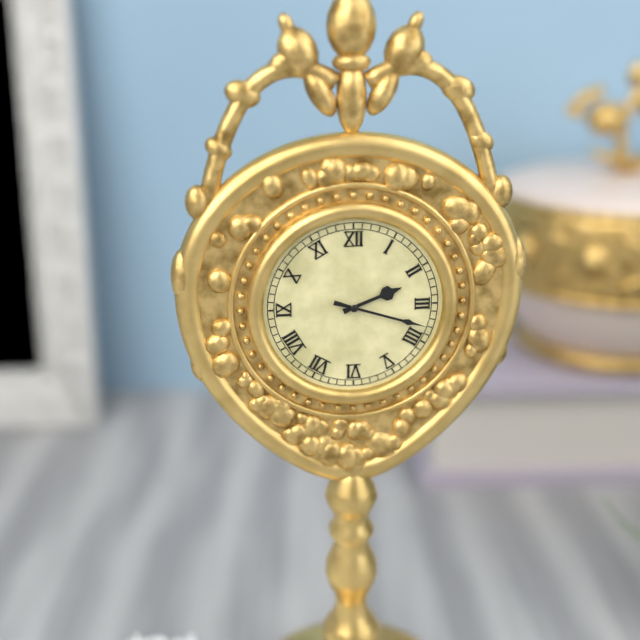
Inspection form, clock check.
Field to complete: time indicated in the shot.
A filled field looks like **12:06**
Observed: **2:18**
